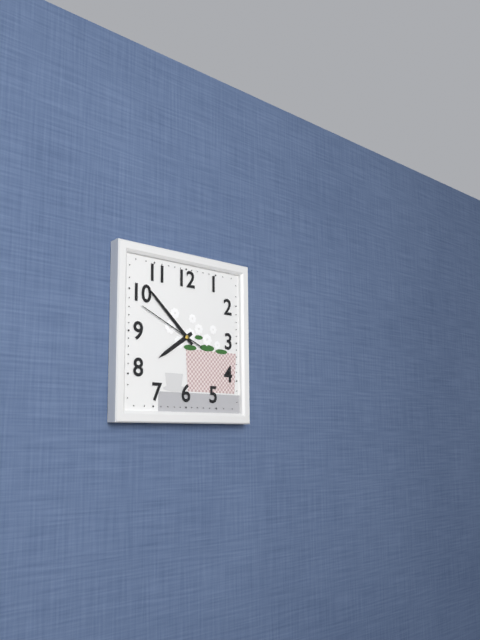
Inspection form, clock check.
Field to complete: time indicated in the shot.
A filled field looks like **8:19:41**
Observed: **7:52:49**
